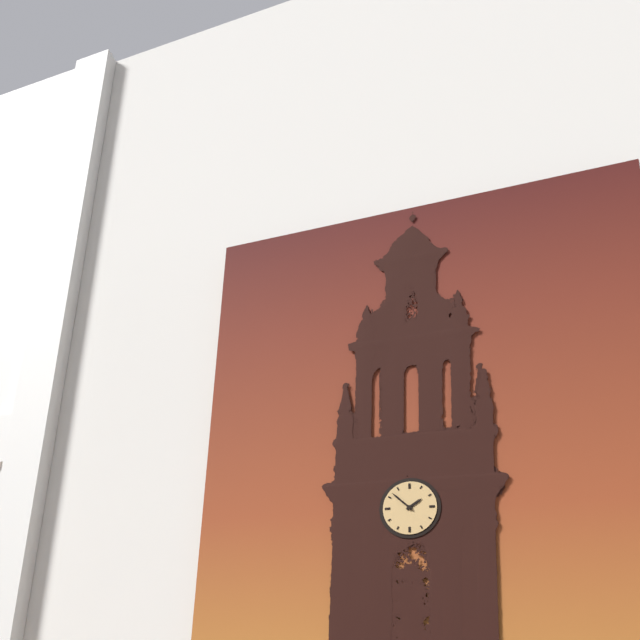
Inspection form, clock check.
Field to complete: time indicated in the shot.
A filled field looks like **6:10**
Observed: **1:52**
